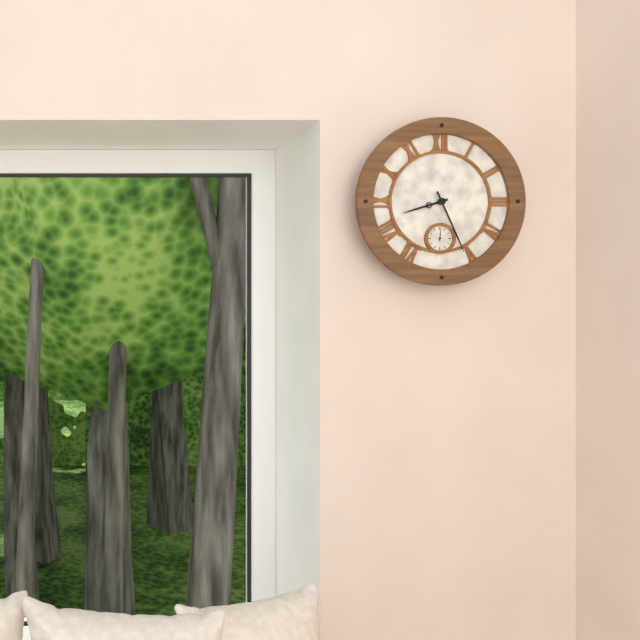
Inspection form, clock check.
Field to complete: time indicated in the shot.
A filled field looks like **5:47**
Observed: **8:26**
